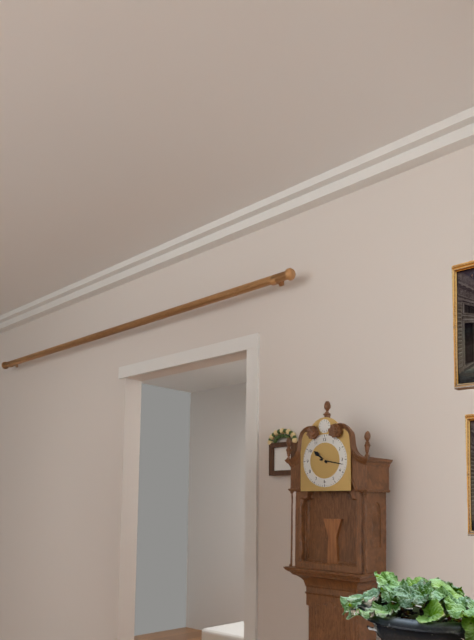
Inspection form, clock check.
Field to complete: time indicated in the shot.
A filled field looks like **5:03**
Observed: **10:17**
